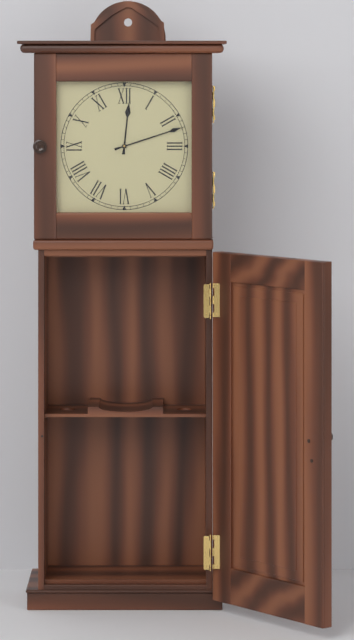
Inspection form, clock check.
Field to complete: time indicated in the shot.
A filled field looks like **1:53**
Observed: **12:12**
